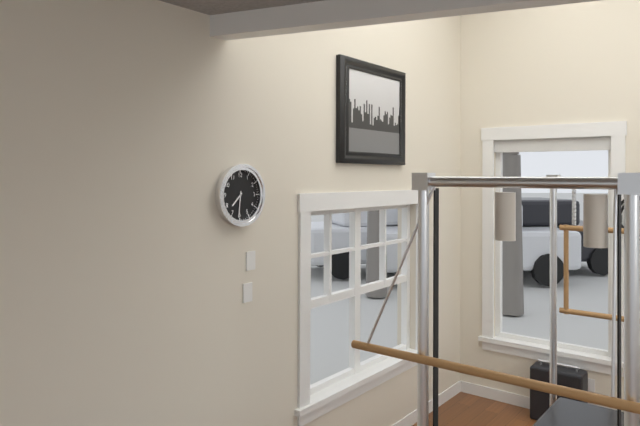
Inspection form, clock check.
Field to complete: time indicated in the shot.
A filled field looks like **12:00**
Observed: **7:31**
